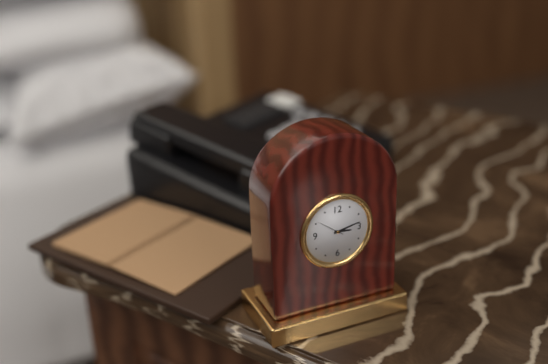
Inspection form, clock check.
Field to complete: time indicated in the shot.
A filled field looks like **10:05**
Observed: **3:13**
